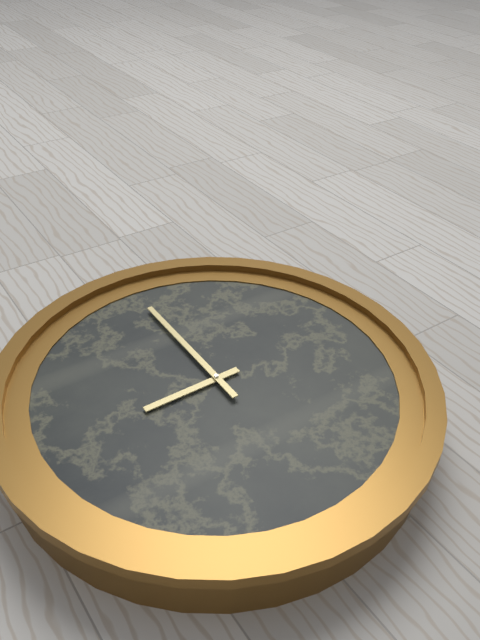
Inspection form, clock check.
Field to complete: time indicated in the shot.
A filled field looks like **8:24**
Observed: **9:00**
